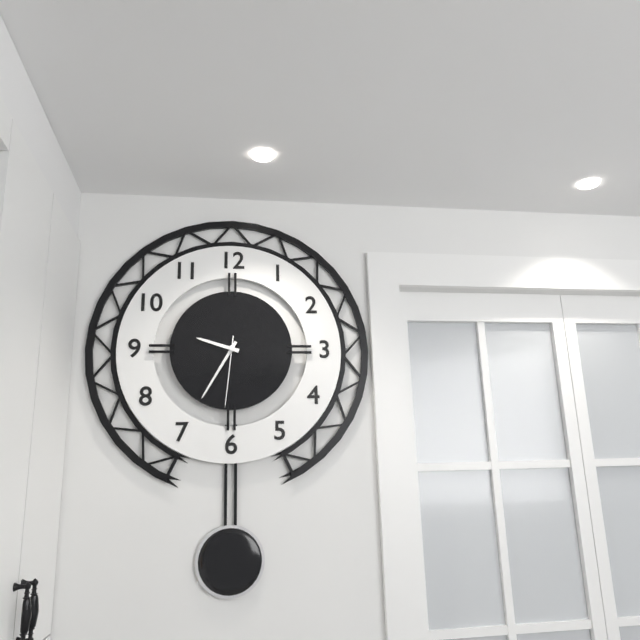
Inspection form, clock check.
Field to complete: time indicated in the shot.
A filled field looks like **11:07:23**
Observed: **9:35:31**
